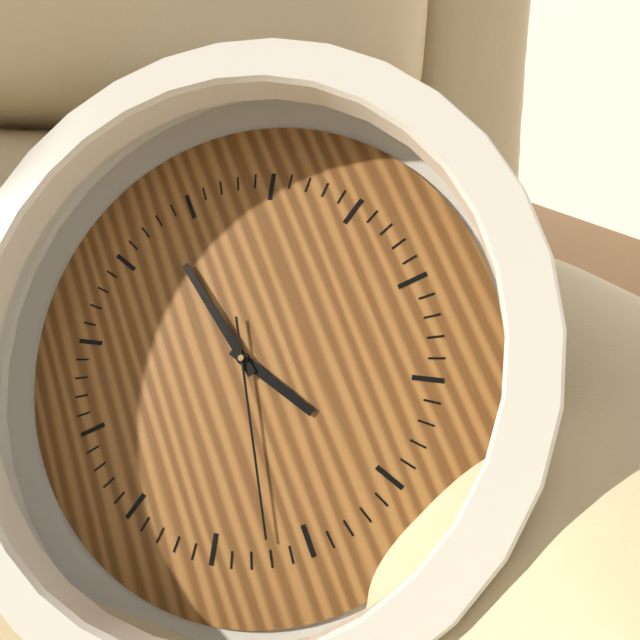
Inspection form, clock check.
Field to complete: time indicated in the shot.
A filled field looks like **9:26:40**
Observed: **4:58:32**
